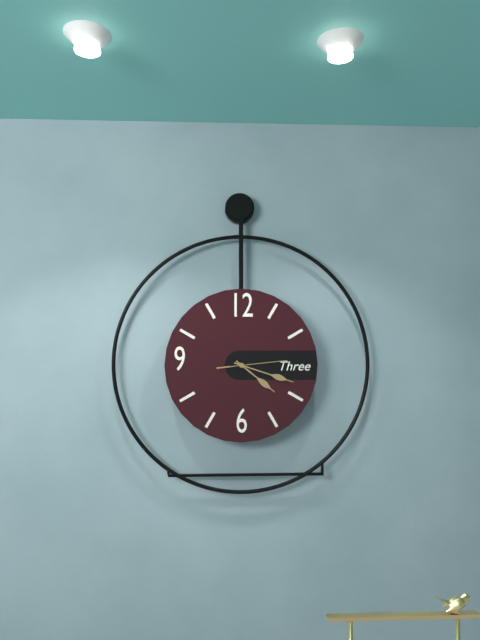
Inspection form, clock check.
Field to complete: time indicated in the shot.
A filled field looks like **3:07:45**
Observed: **4:18:14**
